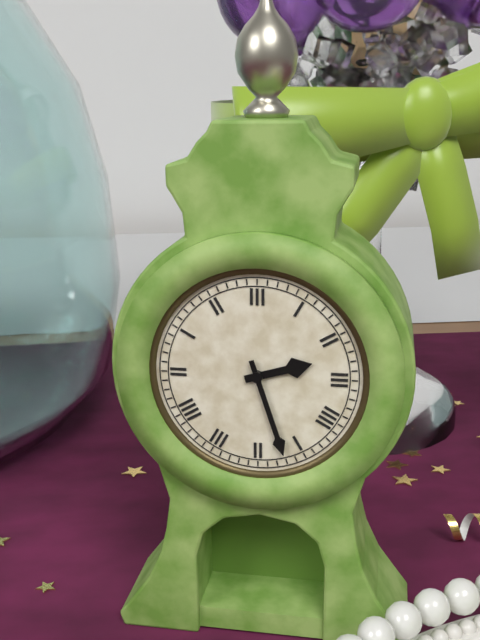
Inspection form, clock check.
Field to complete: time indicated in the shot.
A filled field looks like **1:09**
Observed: **2:27**
